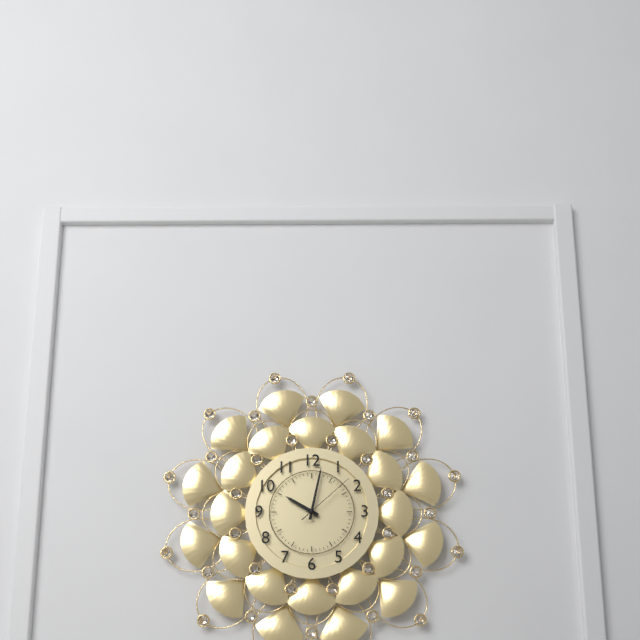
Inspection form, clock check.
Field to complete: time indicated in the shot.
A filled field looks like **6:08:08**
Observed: **10:02:08**
